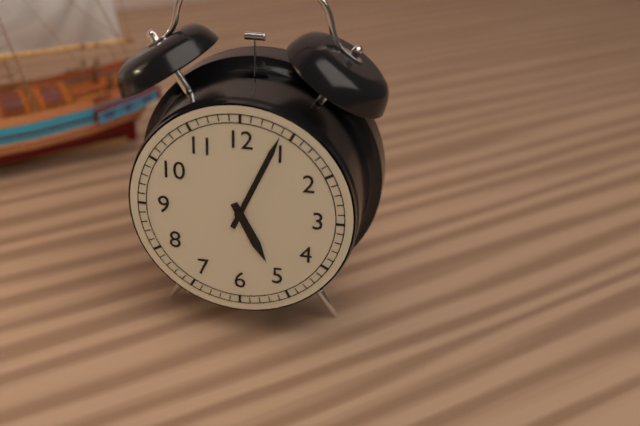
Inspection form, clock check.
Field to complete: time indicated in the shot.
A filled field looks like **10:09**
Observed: **5:04**
